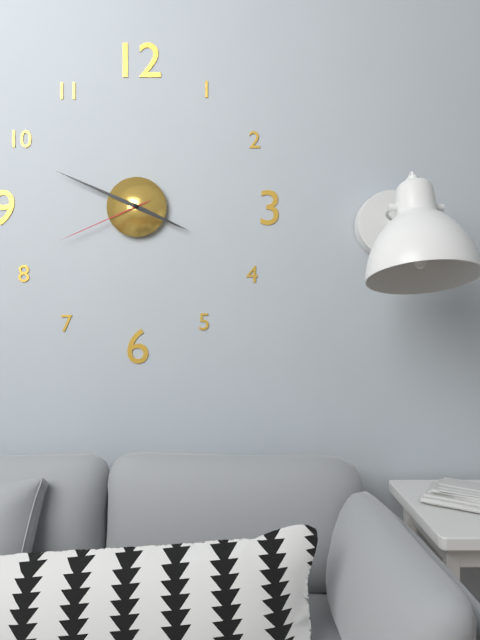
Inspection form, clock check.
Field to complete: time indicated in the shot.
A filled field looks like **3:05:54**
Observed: **3:49:41**
